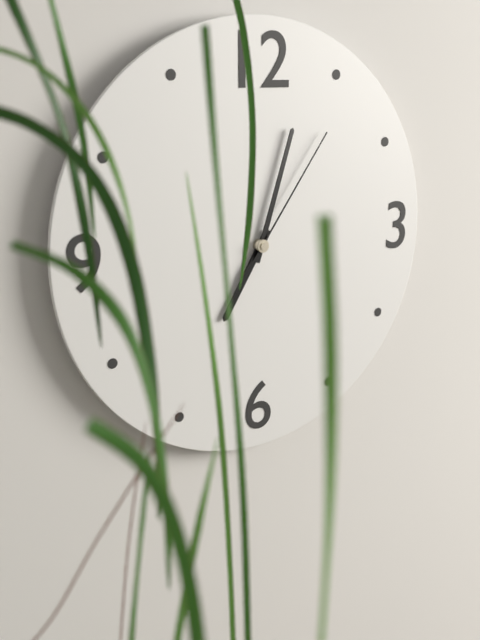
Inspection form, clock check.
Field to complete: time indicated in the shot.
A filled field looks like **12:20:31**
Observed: **7:03:06**
